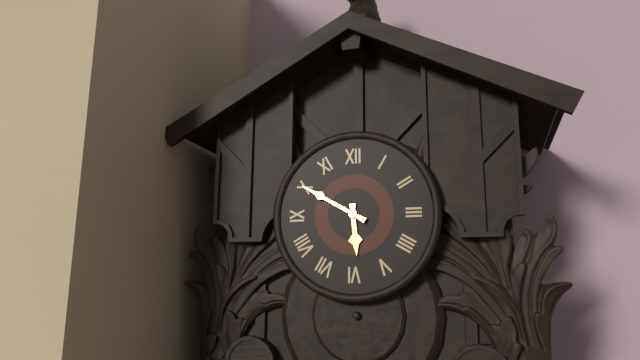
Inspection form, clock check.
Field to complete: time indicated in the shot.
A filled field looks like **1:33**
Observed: **5:50**
